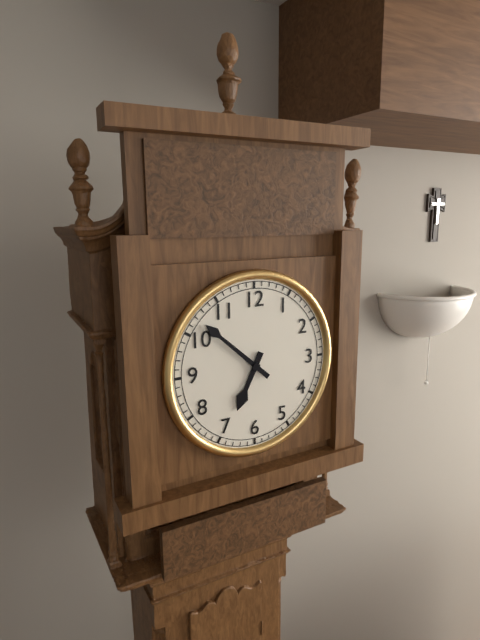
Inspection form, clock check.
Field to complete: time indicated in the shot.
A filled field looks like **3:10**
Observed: **6:52**
